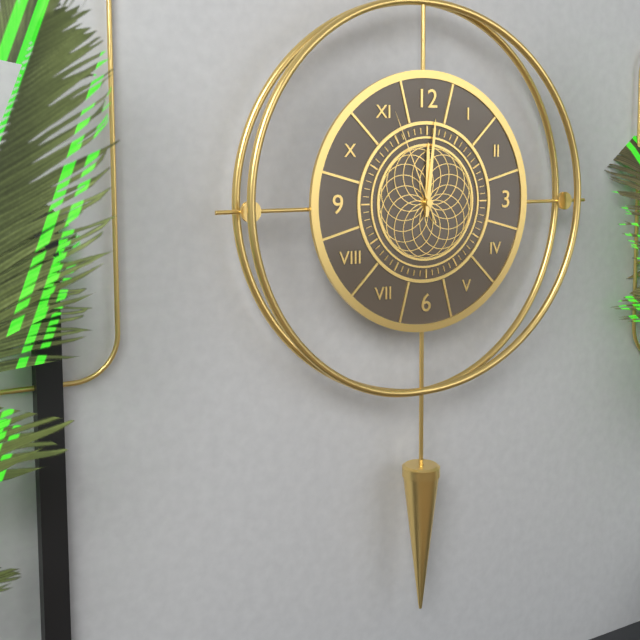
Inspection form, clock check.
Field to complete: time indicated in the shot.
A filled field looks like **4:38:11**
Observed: **12:01:56**
